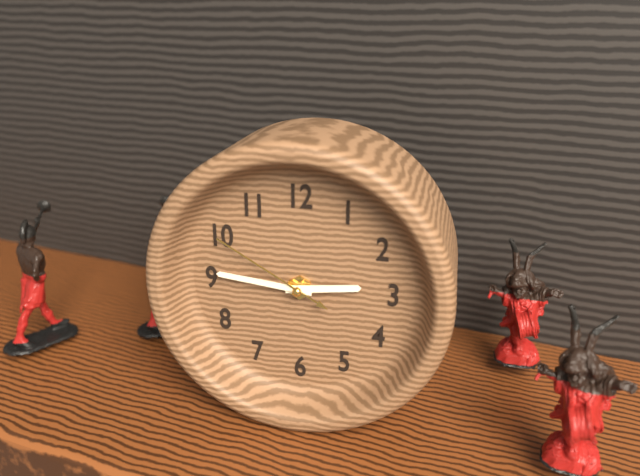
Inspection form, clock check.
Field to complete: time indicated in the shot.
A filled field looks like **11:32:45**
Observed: **2:46:50**
